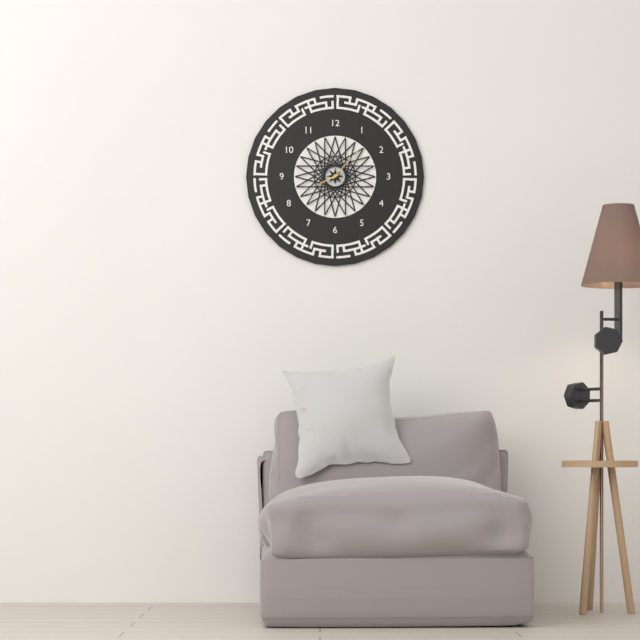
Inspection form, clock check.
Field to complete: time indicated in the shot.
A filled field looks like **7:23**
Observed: **8:07**
